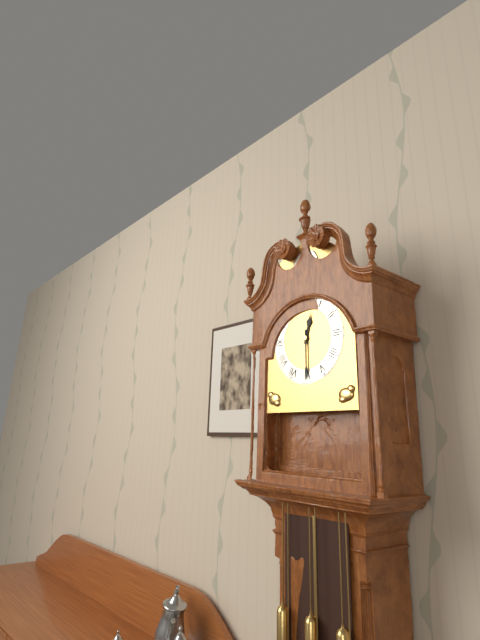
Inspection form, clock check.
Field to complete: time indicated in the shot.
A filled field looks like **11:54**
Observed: **12:30**
